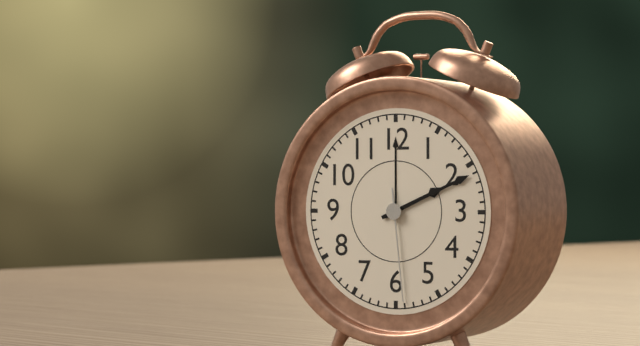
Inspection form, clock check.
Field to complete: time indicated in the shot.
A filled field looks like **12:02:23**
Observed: **2:11:29**
